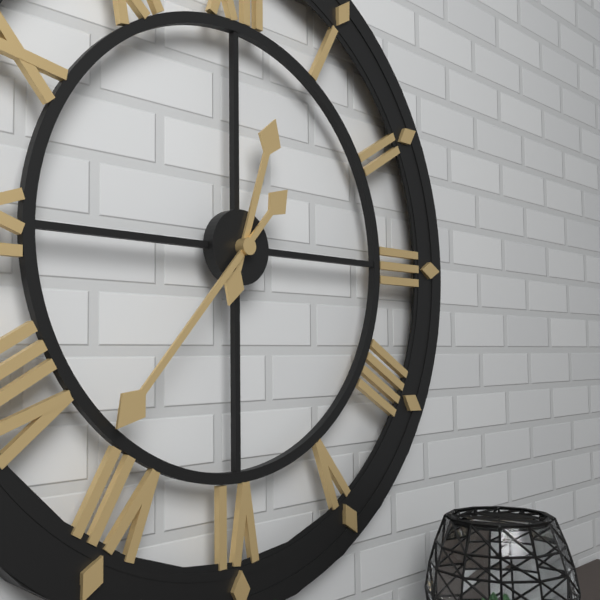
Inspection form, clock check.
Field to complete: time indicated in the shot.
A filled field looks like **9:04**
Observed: **12:37**
